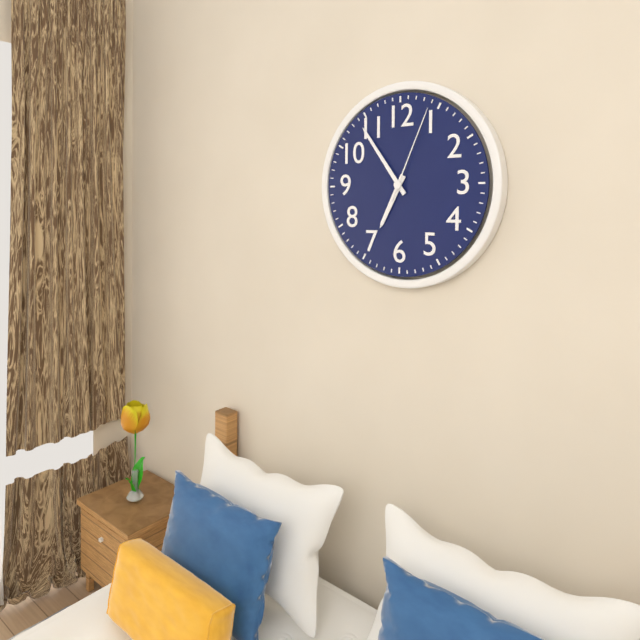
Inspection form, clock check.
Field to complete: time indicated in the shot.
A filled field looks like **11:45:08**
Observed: **6:54:04**
